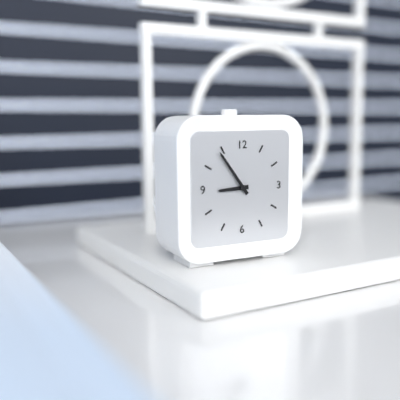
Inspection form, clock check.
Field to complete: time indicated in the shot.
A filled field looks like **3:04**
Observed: **8:54**
